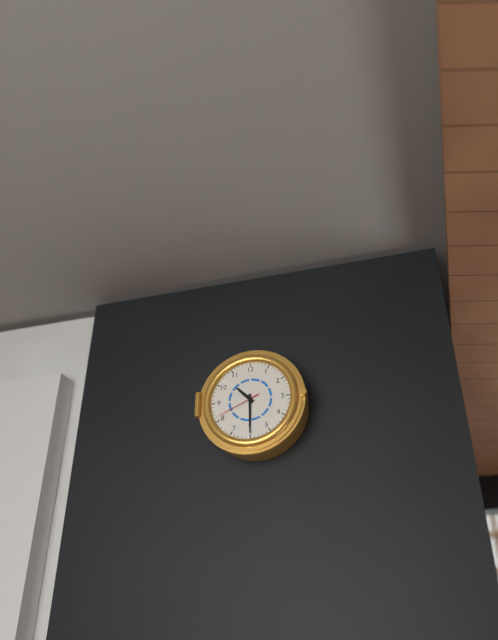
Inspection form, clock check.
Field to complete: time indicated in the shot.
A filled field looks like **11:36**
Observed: **10:30**
